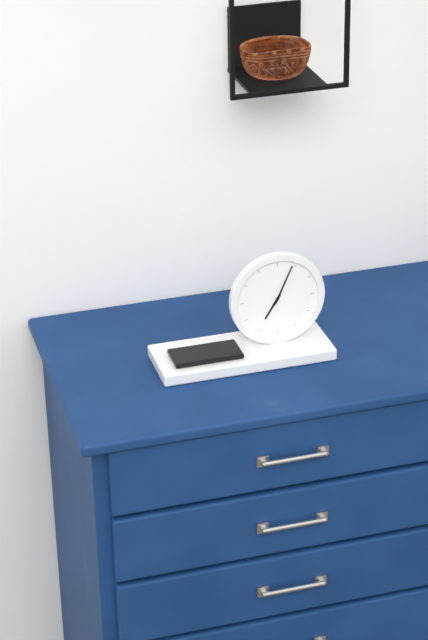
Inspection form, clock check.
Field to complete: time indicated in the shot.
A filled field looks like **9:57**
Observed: **7:04**
